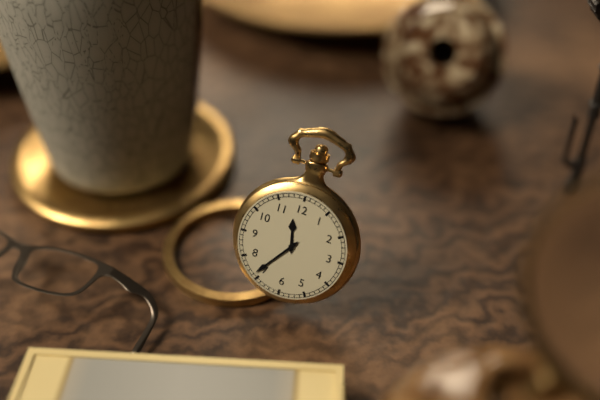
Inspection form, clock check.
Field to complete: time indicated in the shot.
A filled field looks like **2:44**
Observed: **11:36**
